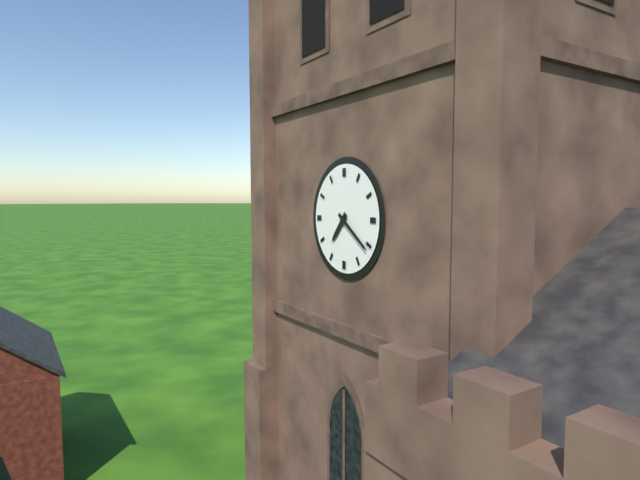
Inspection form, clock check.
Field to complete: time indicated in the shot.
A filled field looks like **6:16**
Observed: **7:21**
